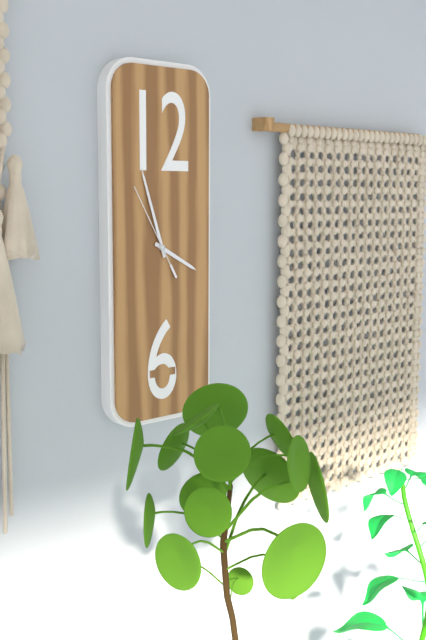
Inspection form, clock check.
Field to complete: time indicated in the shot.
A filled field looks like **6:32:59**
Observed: **3:57:55**
